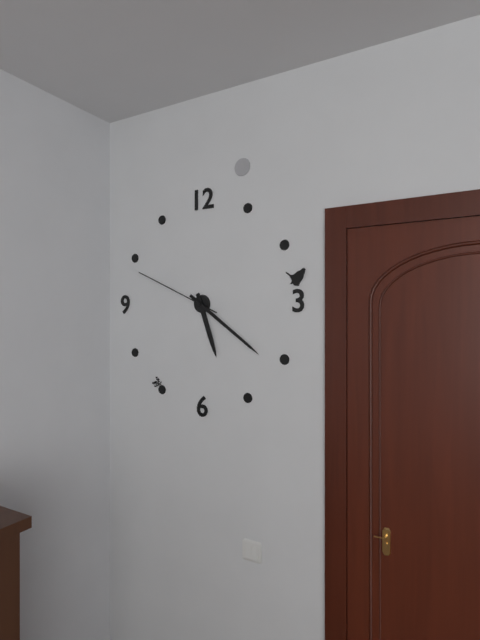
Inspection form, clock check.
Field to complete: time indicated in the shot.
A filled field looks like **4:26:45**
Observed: **5:21:49**
